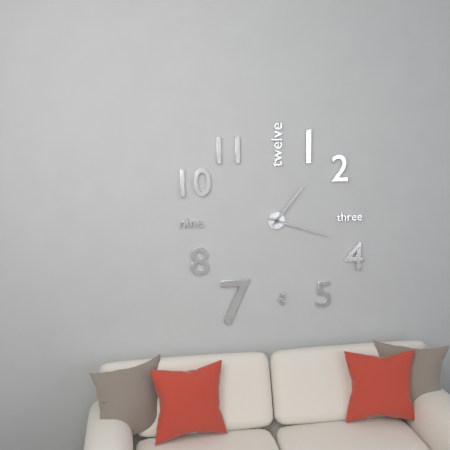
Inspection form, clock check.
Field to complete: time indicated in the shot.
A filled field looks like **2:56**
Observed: **1:18**
